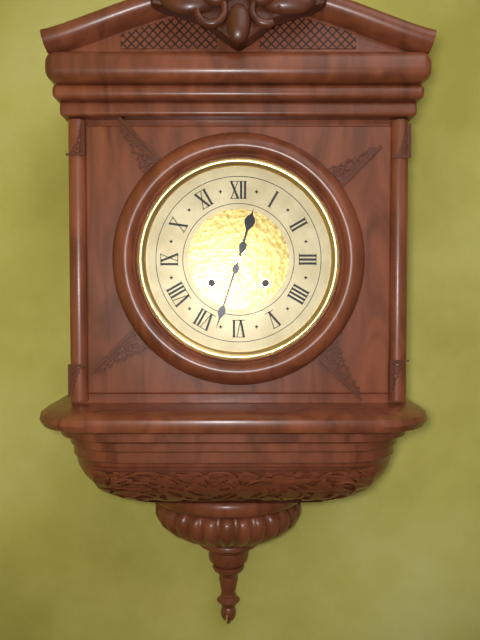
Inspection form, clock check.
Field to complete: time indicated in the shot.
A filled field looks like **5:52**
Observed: **12:33**
